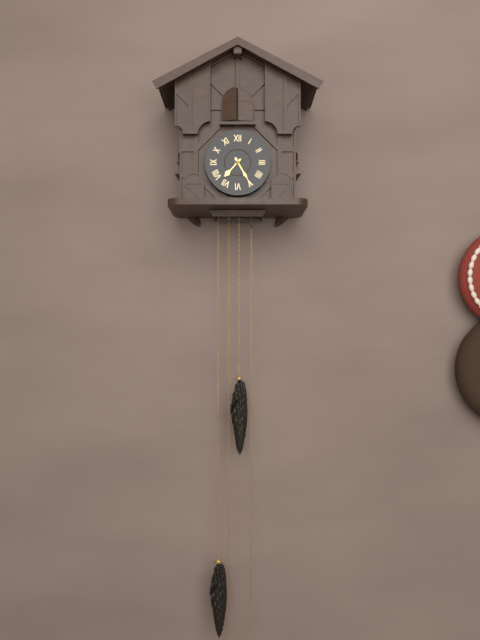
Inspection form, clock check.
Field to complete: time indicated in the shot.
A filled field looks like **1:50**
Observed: **7:25**
